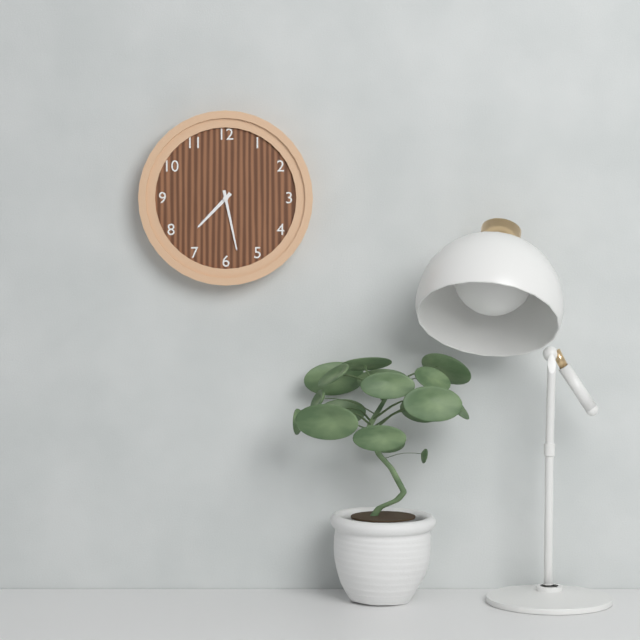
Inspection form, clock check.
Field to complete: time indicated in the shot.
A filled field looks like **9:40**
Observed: **7:28**
